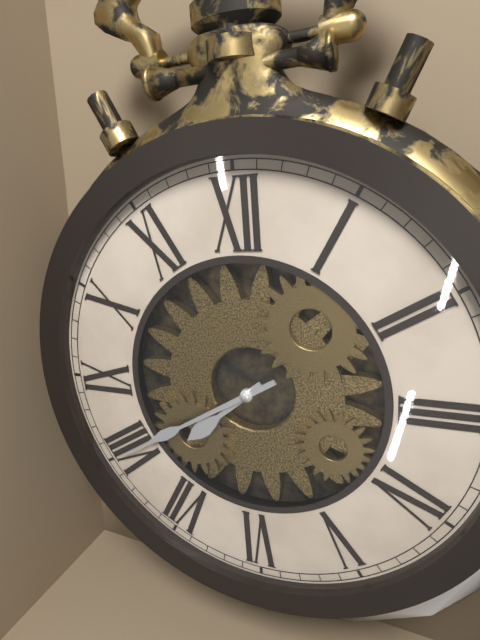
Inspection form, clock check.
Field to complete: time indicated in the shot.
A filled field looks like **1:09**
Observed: **7:40**
